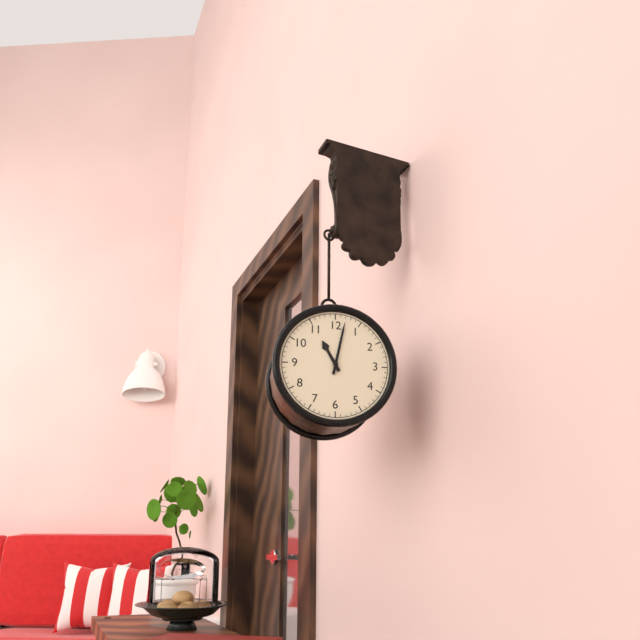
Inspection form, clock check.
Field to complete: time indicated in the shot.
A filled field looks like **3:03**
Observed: **11:02**
